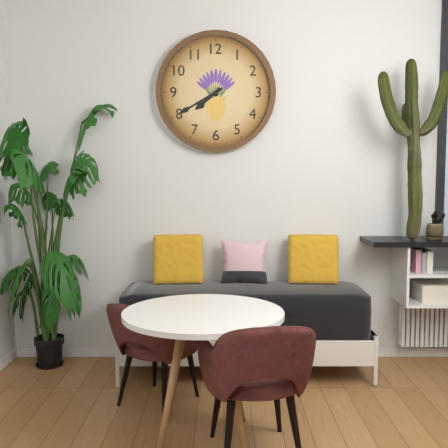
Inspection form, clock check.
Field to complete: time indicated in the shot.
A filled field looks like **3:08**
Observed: **7:40**
